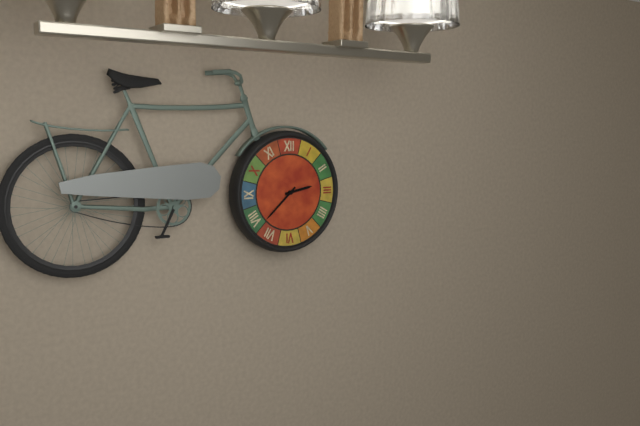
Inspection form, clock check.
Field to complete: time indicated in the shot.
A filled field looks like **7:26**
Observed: **2:38**
